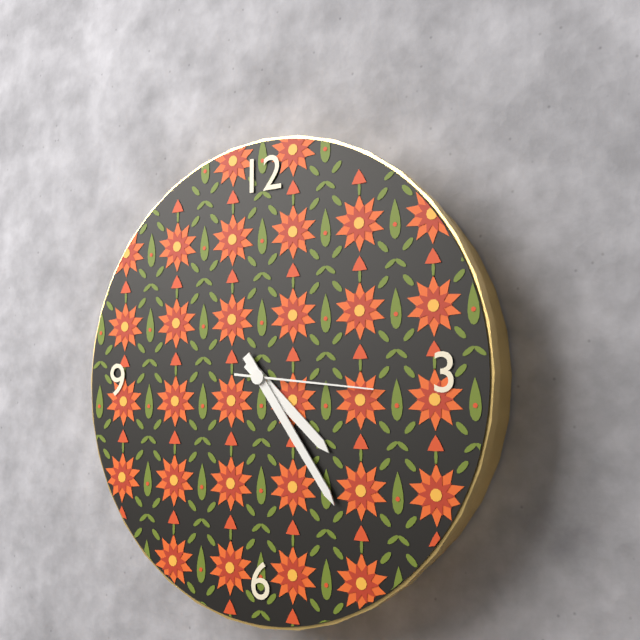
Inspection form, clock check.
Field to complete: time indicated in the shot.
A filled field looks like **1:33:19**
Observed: **4:24:16**
